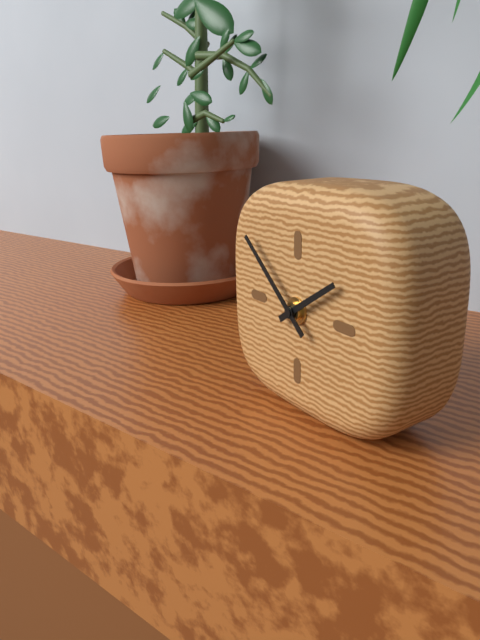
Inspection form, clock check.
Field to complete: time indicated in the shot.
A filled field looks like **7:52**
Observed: **1:52**
